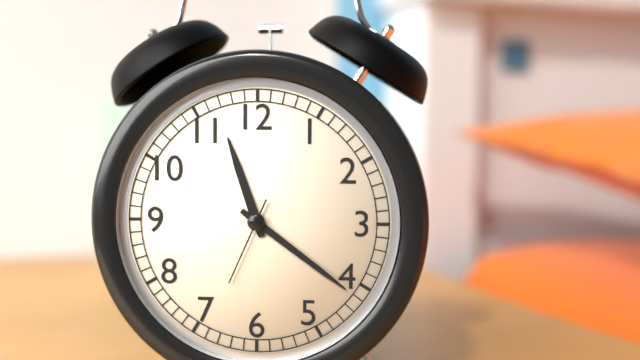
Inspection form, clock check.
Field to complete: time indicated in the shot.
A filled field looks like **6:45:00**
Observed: **11:21:34**
